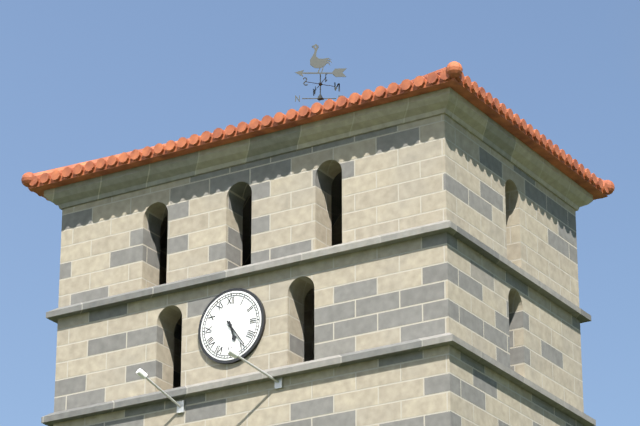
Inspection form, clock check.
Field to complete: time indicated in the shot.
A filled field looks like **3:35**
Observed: **5:24**
